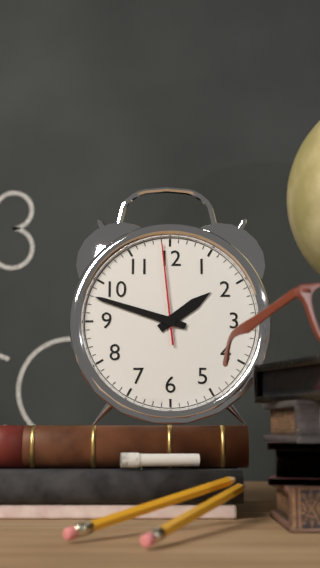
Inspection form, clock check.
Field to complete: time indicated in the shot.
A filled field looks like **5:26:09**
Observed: **1:48:59**
